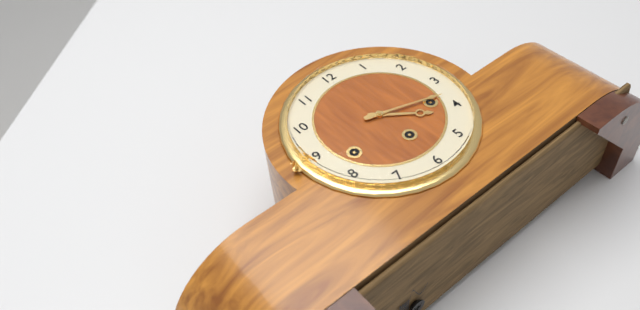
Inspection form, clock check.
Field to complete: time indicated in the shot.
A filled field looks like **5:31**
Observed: **4:18**
